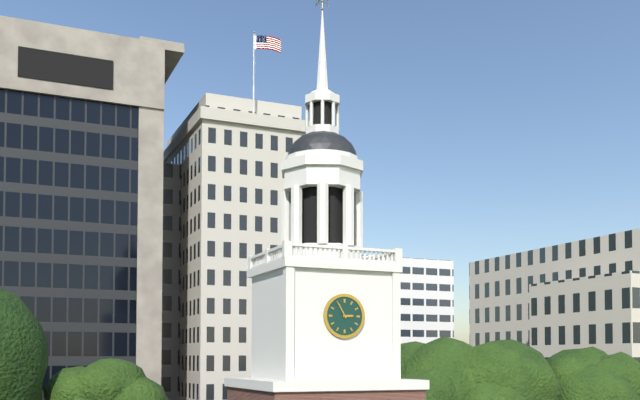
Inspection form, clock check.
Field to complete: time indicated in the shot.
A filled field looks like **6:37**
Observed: **2:55**
